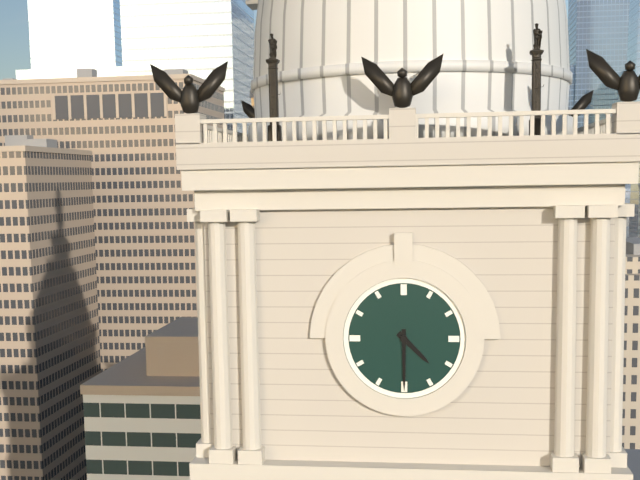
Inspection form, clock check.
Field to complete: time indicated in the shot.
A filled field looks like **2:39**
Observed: **4:30**
